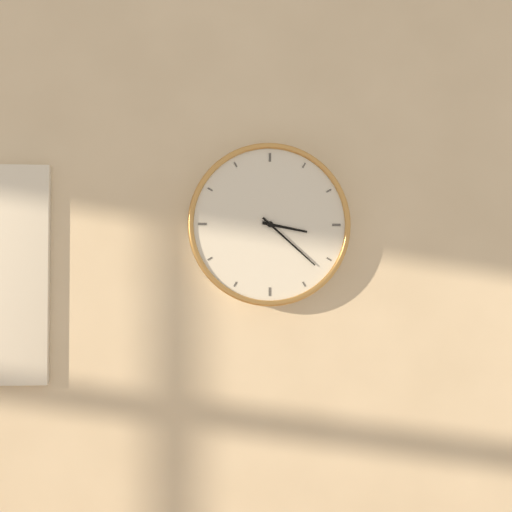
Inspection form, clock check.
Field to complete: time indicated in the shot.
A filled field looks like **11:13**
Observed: **3:22**
